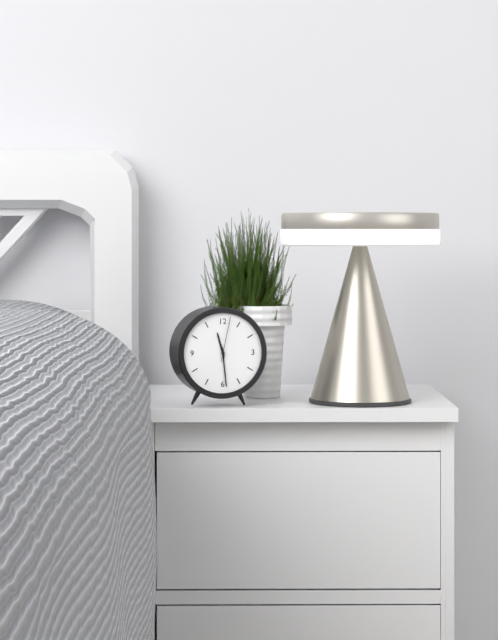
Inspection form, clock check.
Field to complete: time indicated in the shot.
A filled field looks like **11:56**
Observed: **11:29**
